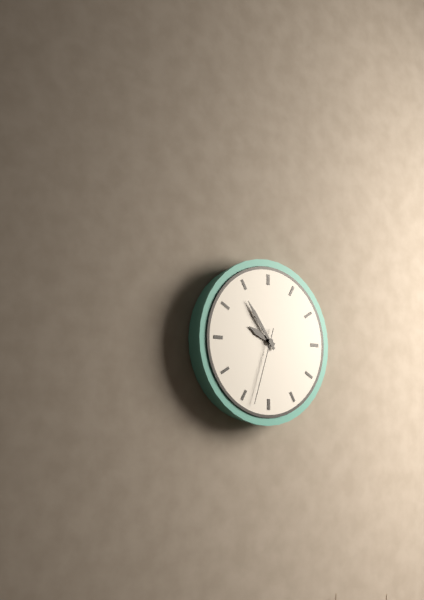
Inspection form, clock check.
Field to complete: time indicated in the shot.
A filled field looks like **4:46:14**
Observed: **9:54:33**
